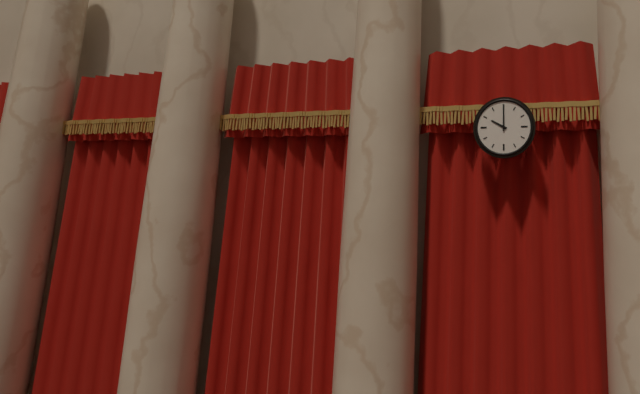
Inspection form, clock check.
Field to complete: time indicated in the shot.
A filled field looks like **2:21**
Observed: **10:00**
